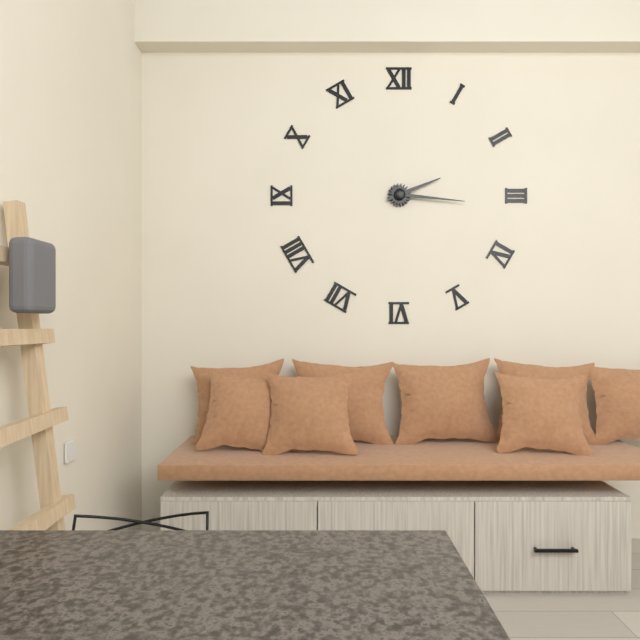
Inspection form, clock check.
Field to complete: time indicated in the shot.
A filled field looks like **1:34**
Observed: **2:16**
